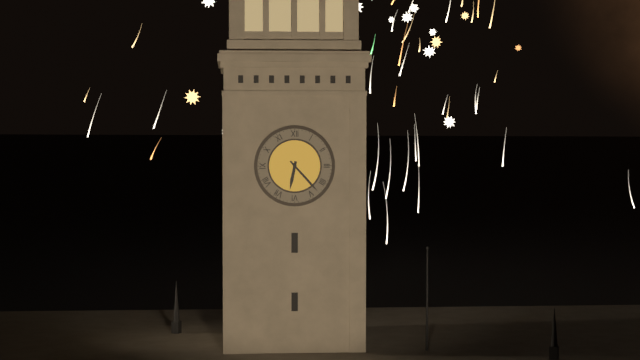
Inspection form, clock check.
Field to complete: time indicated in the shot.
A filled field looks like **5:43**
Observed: **6:23**
